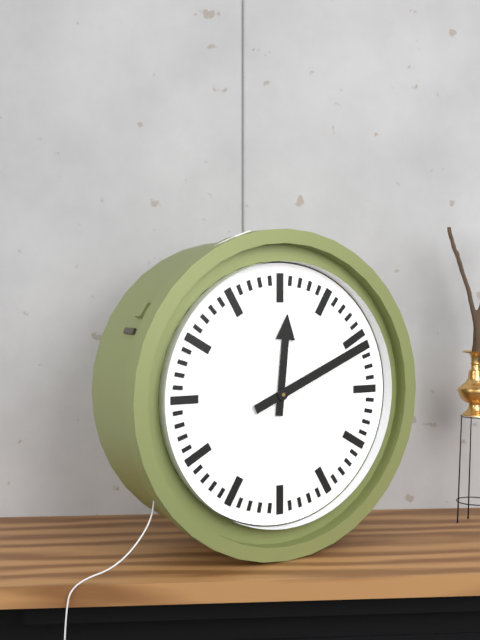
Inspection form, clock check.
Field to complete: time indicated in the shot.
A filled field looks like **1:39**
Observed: **12:11**
